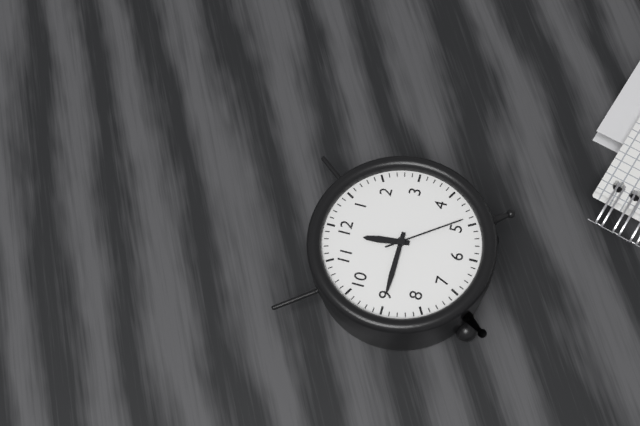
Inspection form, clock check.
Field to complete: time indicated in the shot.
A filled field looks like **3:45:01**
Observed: **11:45:24**
